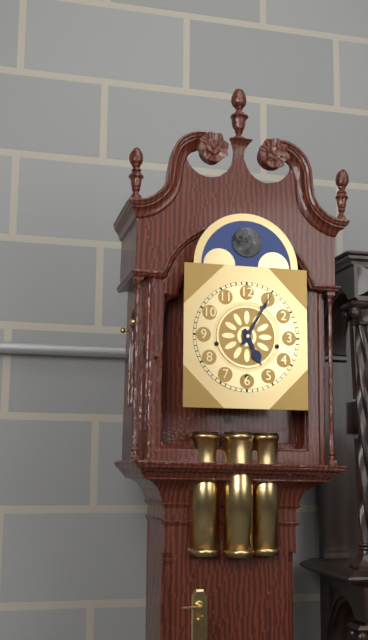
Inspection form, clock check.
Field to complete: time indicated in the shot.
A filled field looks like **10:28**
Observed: **5:05**
